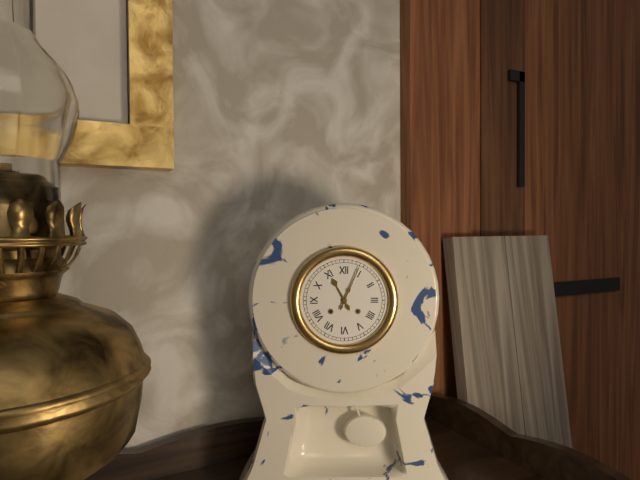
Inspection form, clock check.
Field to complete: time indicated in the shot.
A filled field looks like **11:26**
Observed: **11:04**
